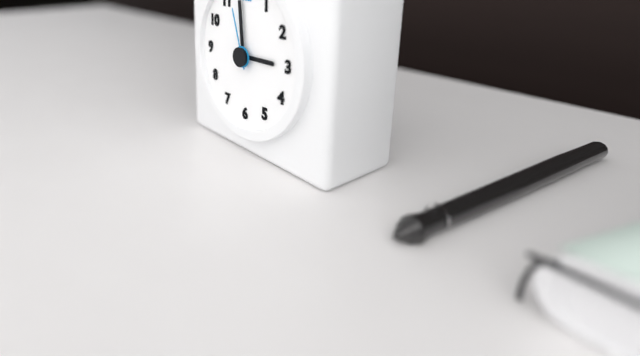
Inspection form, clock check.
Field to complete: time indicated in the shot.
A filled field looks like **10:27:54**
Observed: **2:59:57**
